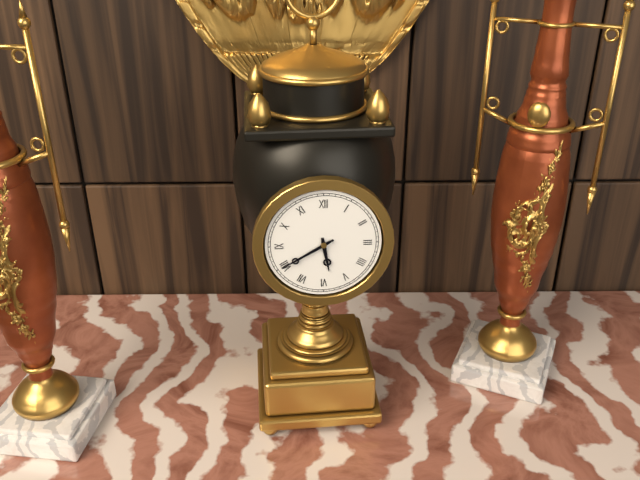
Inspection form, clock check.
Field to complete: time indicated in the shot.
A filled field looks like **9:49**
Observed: **5:40**
